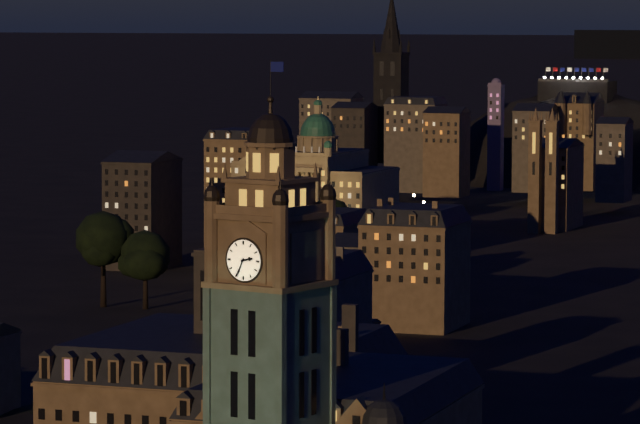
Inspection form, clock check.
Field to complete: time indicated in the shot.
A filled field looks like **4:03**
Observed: **2:34**
